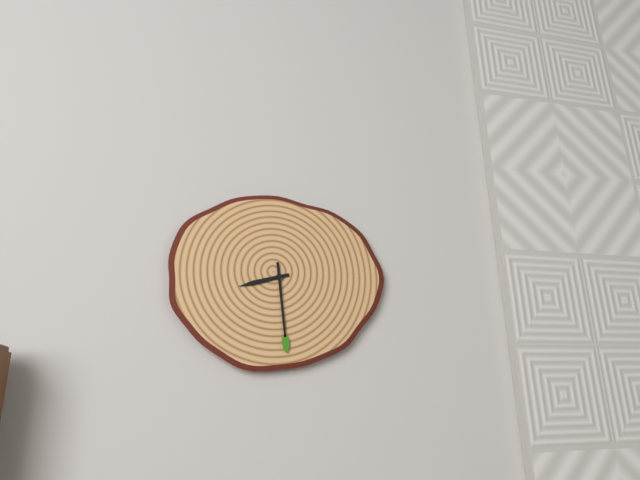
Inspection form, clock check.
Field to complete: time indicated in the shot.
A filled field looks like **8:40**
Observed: **8:29**
